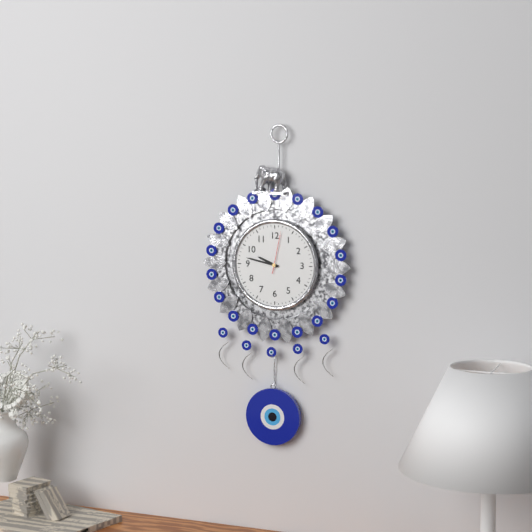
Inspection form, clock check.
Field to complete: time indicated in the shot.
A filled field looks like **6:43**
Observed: **9:47**
